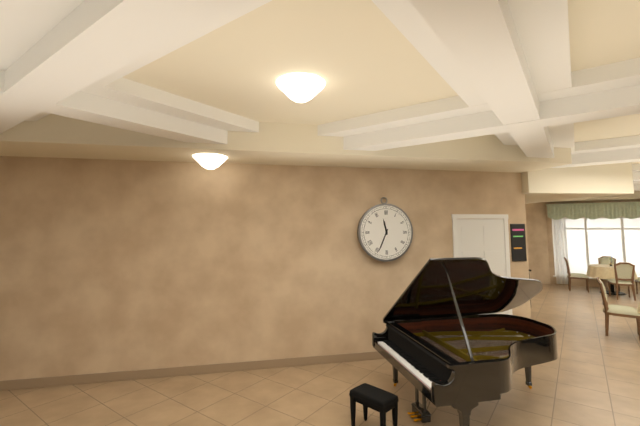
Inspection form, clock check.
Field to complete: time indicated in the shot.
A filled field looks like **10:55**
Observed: **11:34**
